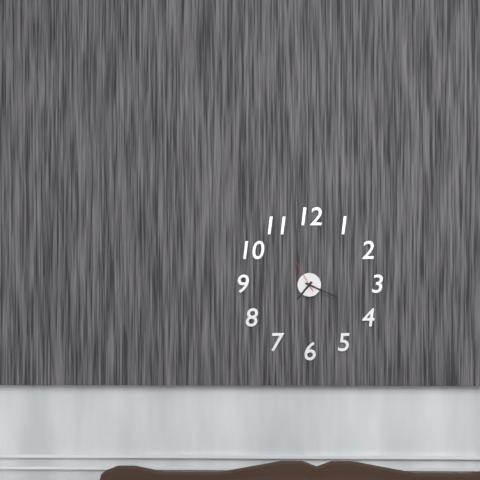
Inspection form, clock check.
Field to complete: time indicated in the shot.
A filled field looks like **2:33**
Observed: **7:19**
